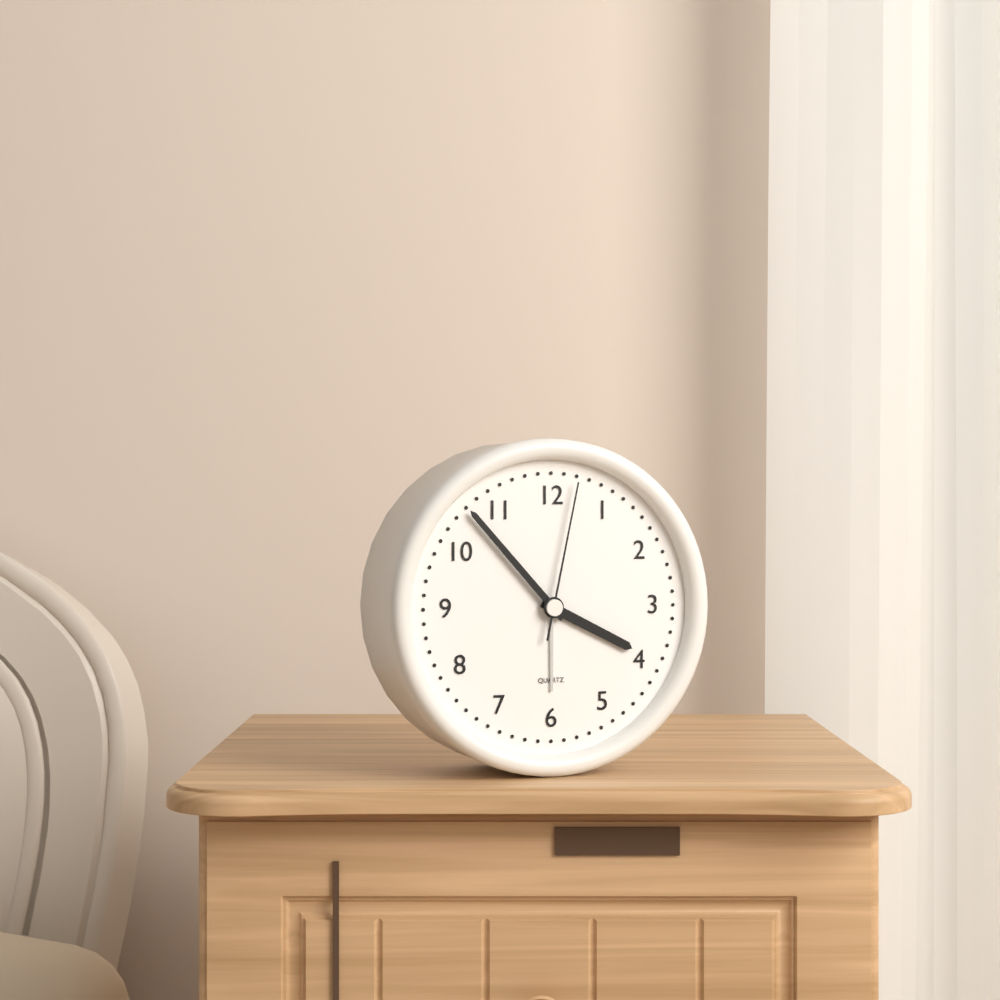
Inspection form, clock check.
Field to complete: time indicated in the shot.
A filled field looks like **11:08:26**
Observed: **3:53:02**
